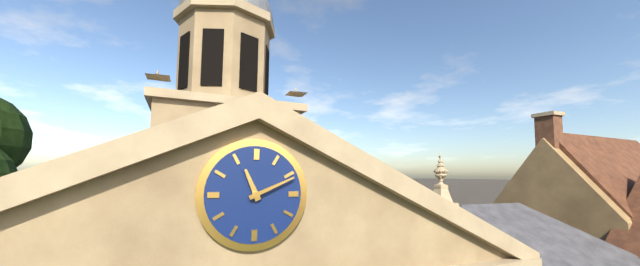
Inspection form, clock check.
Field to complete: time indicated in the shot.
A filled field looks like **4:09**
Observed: **11:11**
